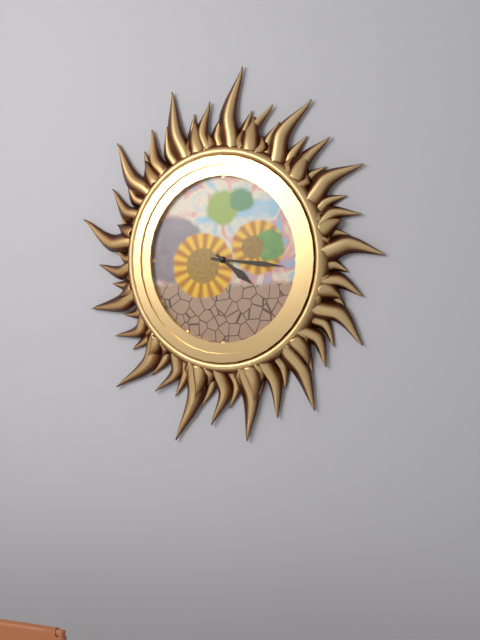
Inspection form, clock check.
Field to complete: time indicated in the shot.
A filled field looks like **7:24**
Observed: **4:16**
